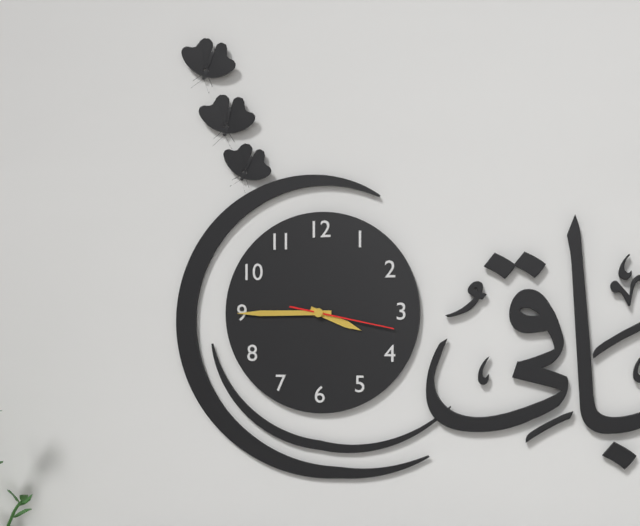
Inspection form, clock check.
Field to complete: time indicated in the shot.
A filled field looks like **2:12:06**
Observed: **3:45:17**
